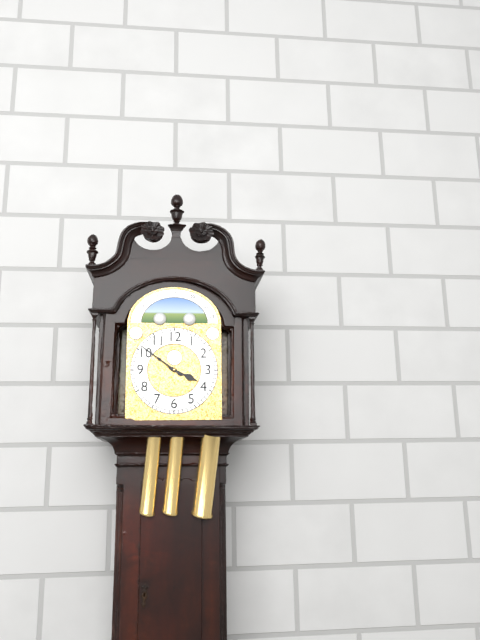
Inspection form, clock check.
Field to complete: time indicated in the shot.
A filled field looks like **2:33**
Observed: **3:51**
